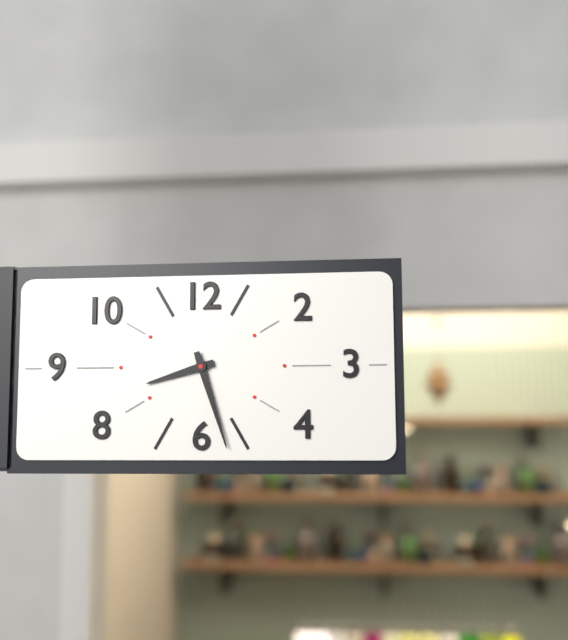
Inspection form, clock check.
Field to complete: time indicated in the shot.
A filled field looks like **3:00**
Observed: **8:27**
